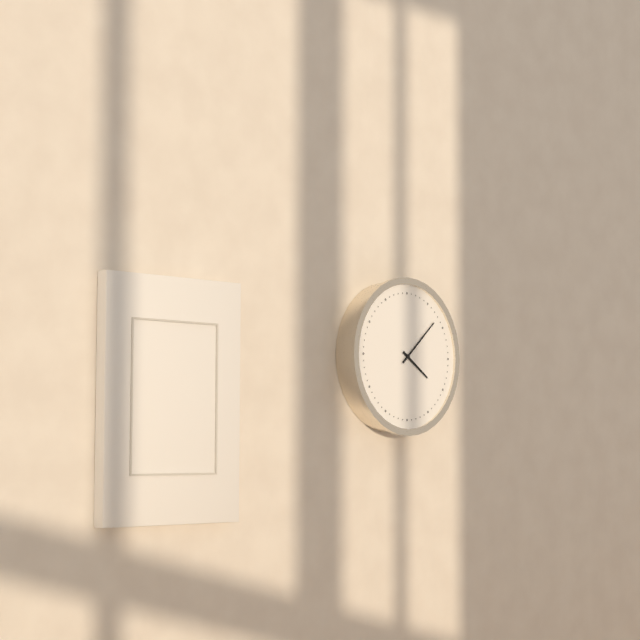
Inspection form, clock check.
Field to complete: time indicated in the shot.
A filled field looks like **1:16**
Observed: **4:08**
